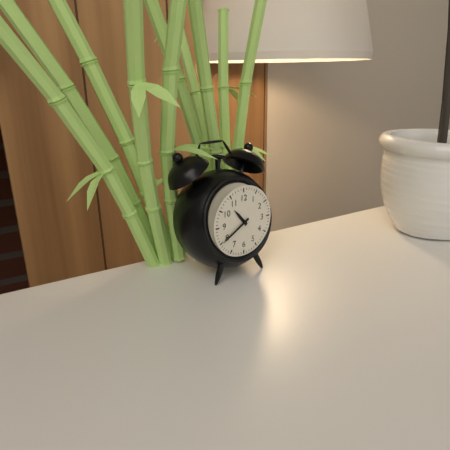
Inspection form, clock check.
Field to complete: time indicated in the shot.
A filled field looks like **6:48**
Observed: **10:40**
